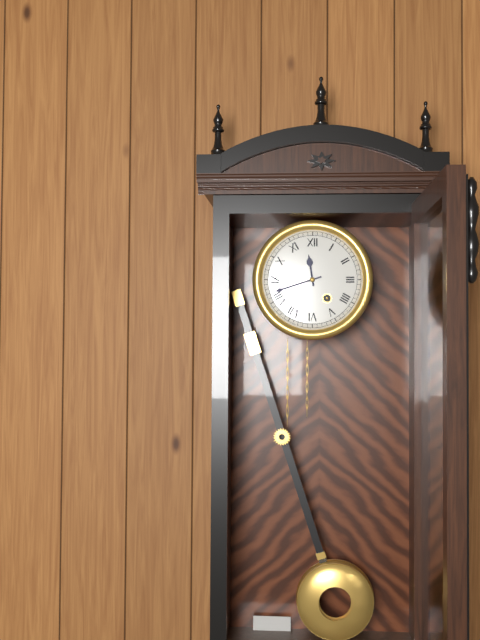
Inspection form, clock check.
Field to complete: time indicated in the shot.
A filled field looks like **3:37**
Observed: **11:42**
